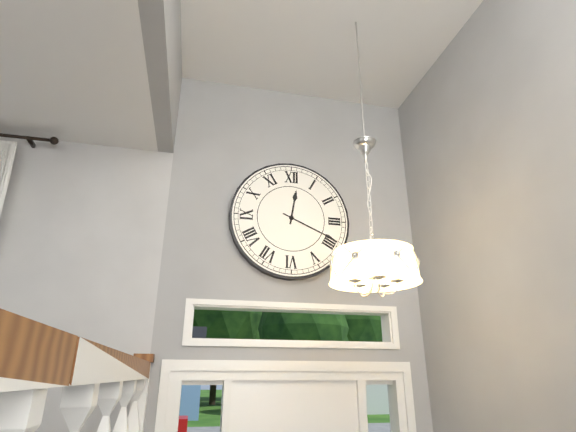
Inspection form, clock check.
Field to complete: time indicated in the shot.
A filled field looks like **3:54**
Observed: **12:19**
